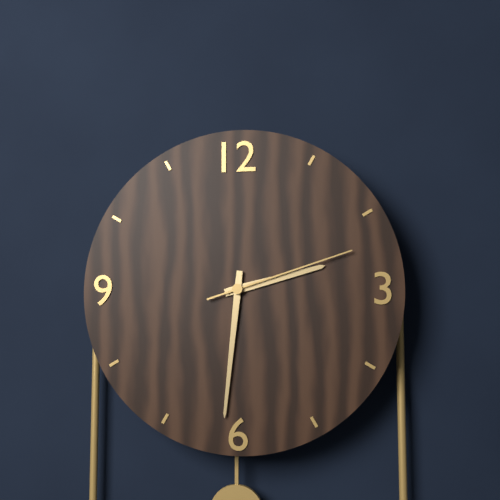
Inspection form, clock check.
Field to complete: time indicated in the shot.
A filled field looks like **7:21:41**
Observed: **2:31:12**
